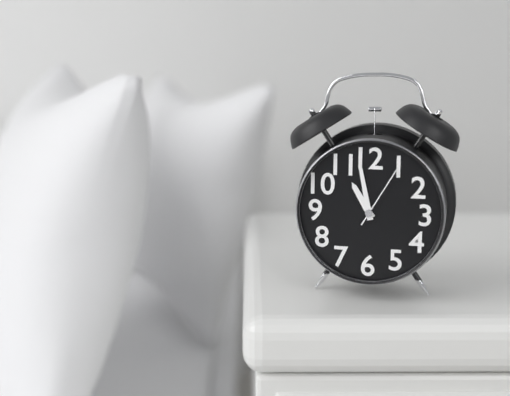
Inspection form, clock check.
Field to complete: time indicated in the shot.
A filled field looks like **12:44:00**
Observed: **10:58:05**
